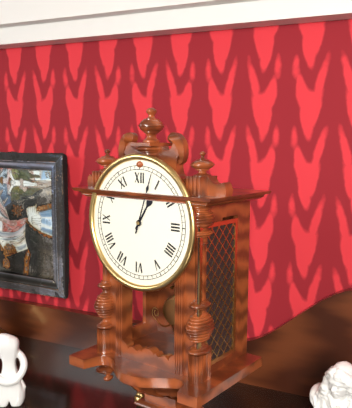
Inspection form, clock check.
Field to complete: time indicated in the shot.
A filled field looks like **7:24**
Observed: **1:03**
